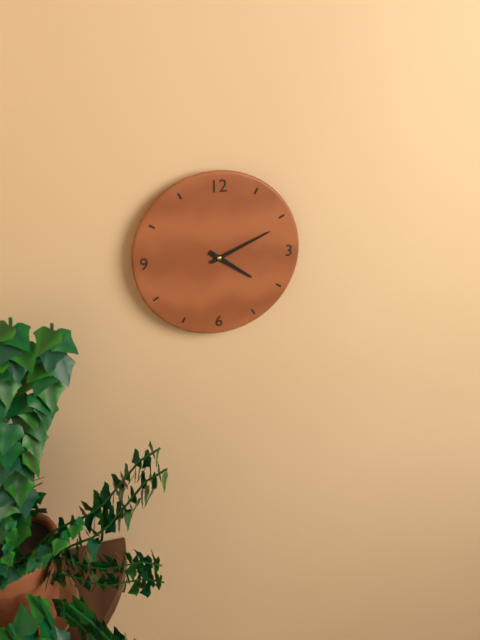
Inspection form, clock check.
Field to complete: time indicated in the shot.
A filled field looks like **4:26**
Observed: **4:11**
